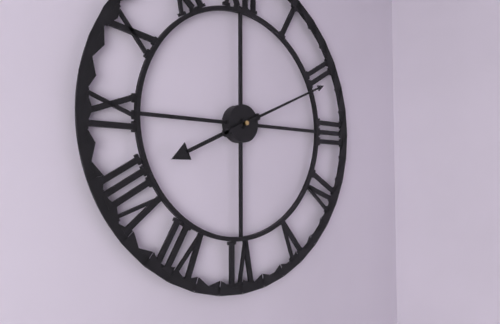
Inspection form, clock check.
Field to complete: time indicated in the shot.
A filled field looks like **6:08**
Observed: **8:11**
